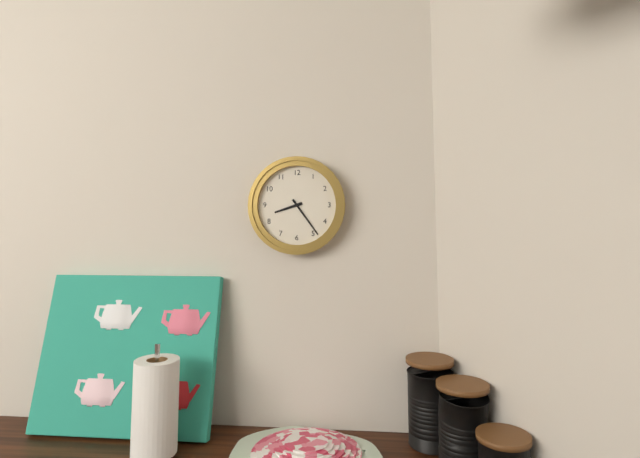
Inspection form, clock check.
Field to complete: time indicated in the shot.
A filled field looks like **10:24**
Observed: **8:24**
